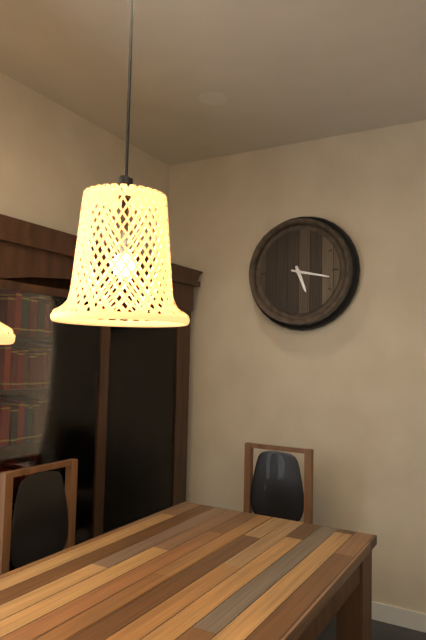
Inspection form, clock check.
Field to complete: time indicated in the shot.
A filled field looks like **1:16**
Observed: **5:17**
